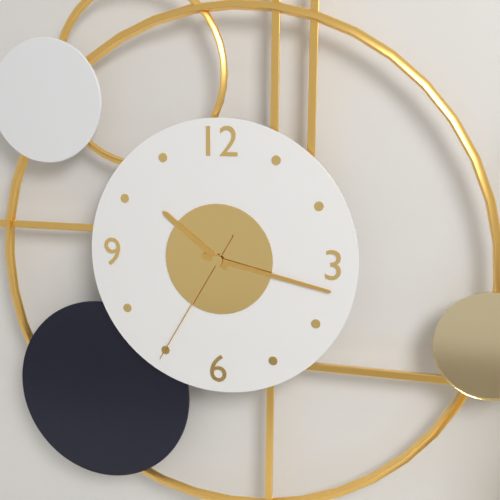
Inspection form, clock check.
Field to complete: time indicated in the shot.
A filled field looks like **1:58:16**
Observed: **10:17:35**
